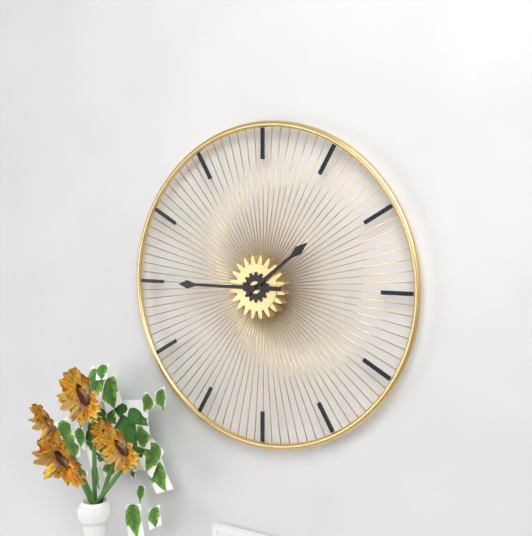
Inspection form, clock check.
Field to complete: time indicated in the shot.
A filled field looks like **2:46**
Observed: **1:45**
